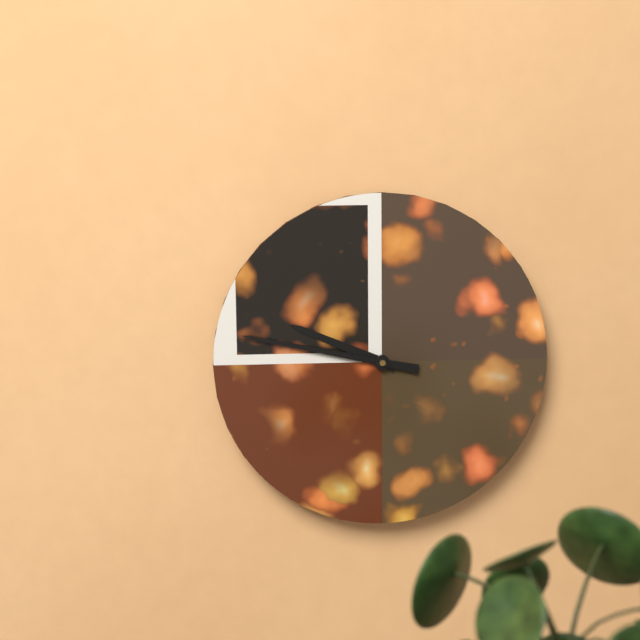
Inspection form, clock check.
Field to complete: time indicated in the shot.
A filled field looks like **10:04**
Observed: **9:47**
